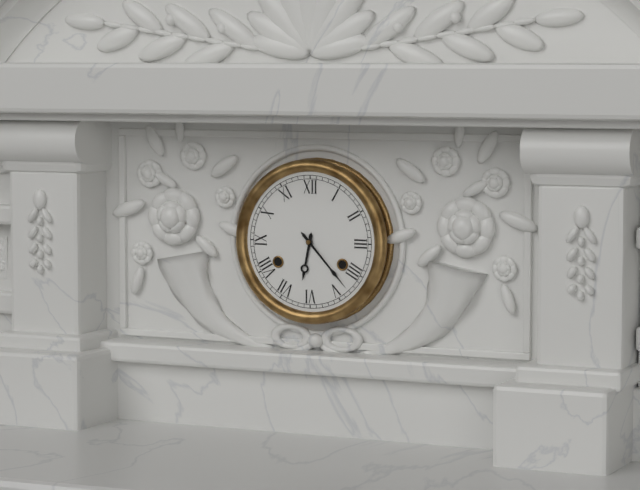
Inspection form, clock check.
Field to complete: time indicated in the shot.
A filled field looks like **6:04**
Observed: **6:23**
